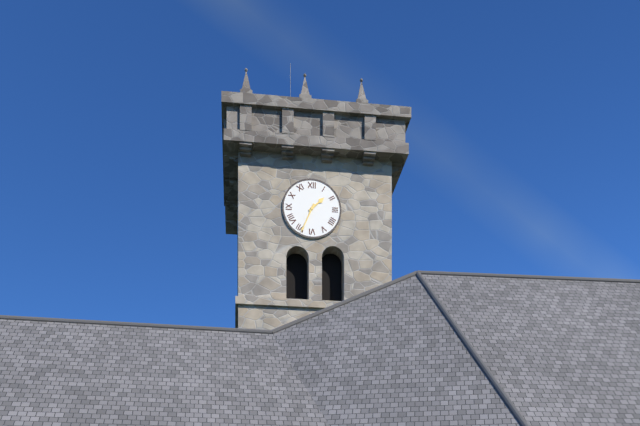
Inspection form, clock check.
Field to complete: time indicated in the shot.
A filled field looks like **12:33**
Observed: **1:34**
